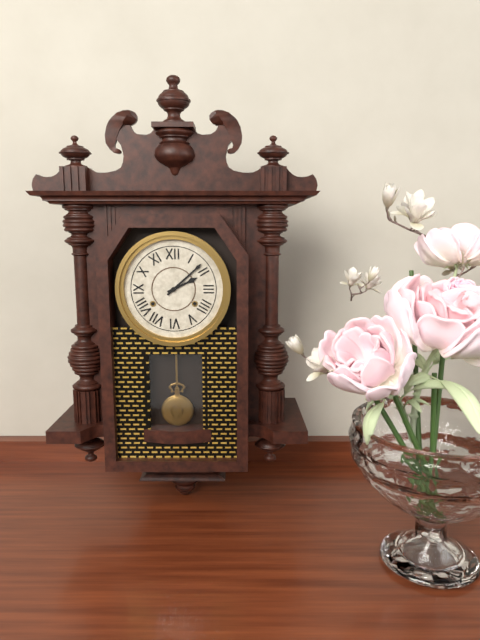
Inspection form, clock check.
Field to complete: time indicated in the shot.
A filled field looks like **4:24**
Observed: **2:08**
